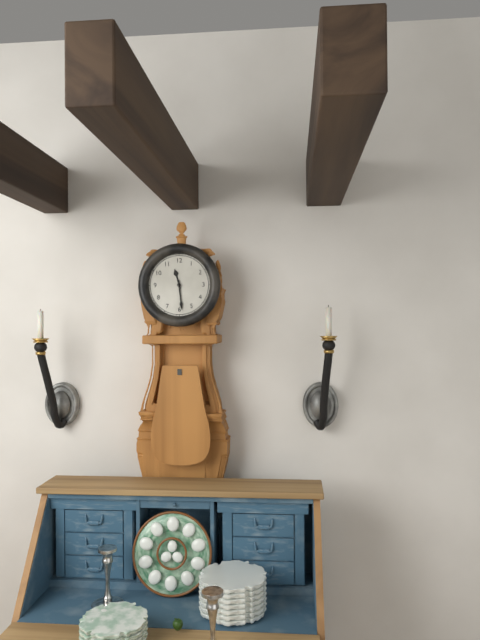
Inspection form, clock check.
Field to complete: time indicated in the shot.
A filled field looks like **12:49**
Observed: **11:29**
